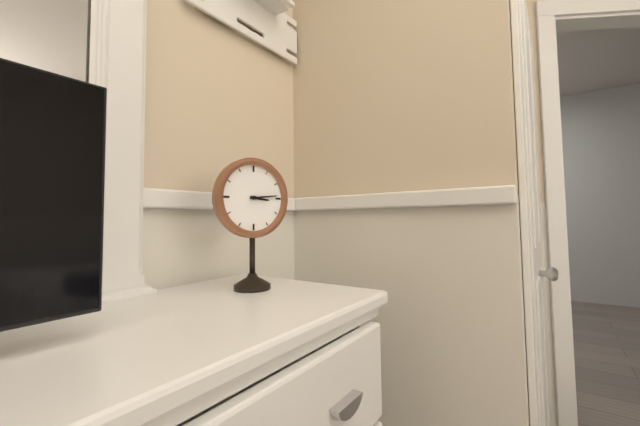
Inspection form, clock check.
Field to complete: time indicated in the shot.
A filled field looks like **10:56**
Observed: **3:14**
